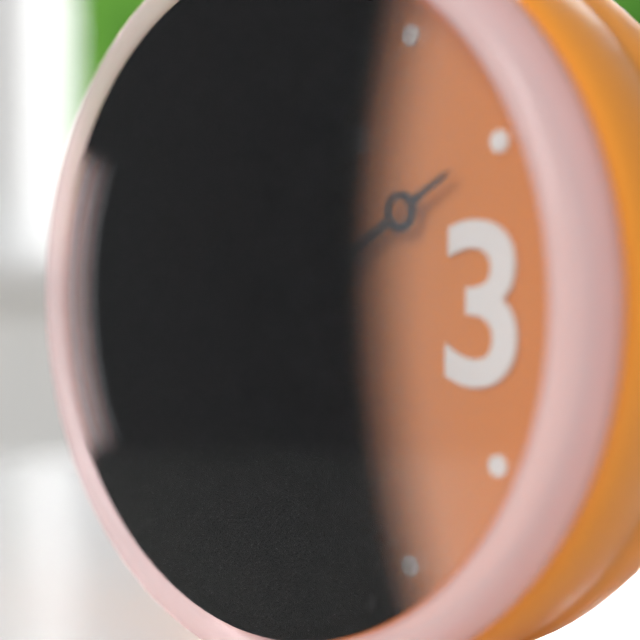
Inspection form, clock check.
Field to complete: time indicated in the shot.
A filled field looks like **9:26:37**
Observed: **8:10:37**
